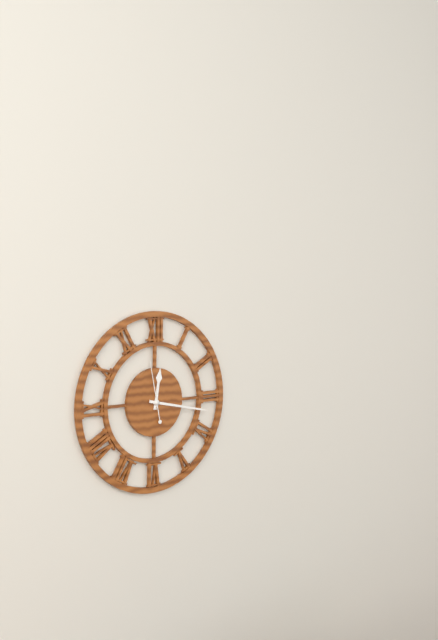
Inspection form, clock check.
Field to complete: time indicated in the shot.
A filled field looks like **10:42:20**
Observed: **12:17:58**
